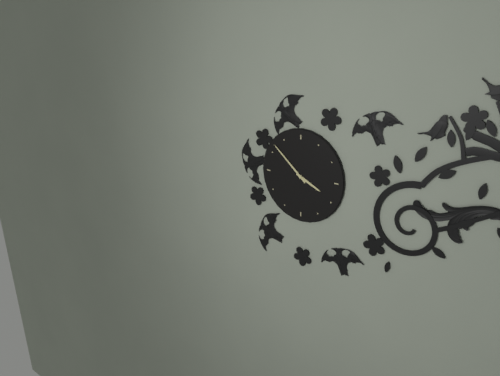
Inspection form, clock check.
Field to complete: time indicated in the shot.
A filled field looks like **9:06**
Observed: **3:52**
